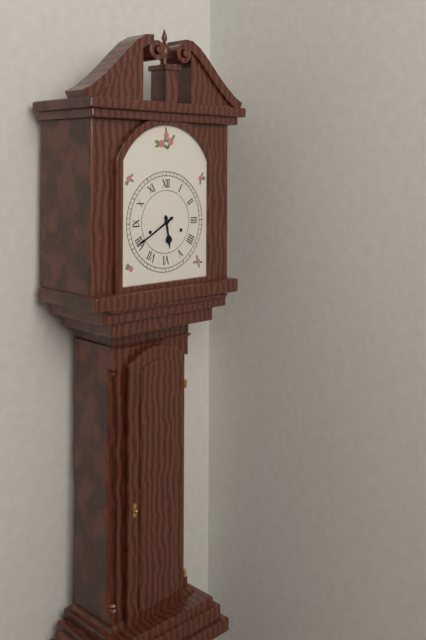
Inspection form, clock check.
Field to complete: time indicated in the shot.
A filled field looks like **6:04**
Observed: **5:40**
